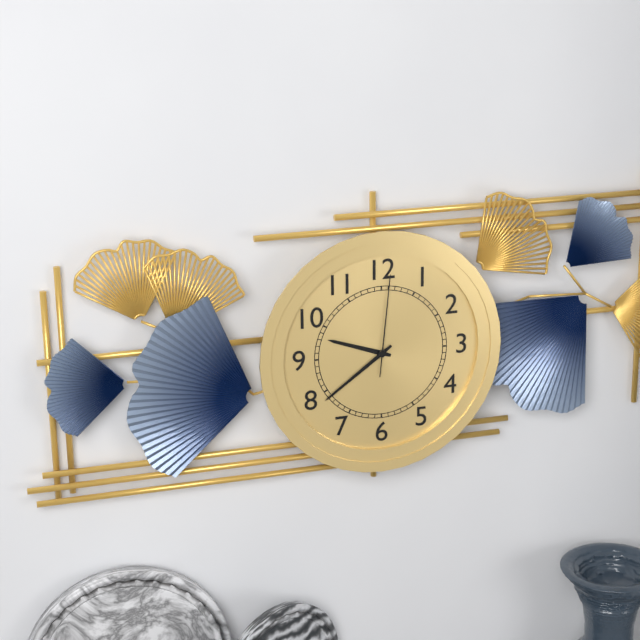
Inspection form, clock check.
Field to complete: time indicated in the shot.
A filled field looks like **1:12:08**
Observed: **9:39:01**
